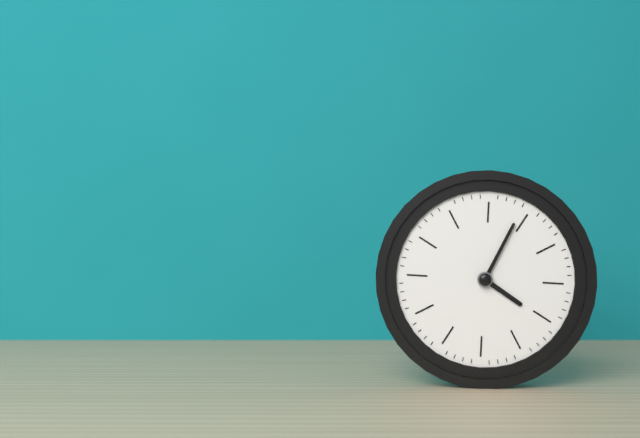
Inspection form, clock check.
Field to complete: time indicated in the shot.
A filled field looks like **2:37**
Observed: **4:04**
